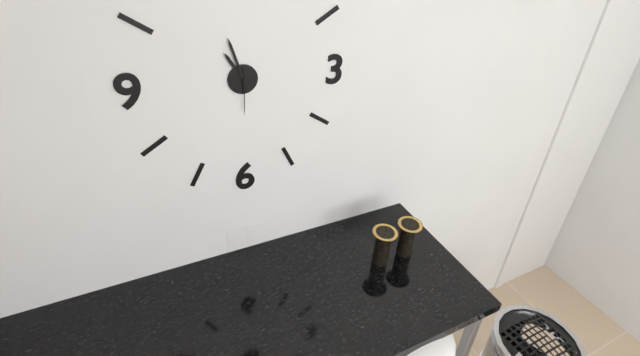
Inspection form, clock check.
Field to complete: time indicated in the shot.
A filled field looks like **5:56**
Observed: **10:57**
